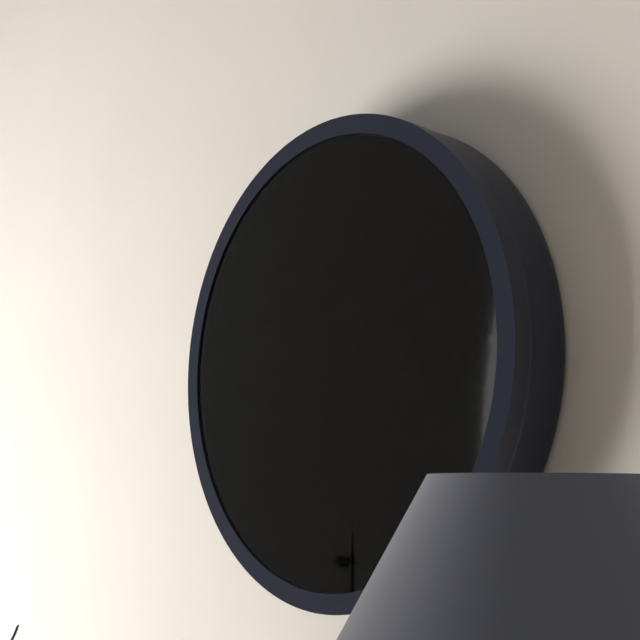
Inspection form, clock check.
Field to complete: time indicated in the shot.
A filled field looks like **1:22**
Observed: **6:30**
